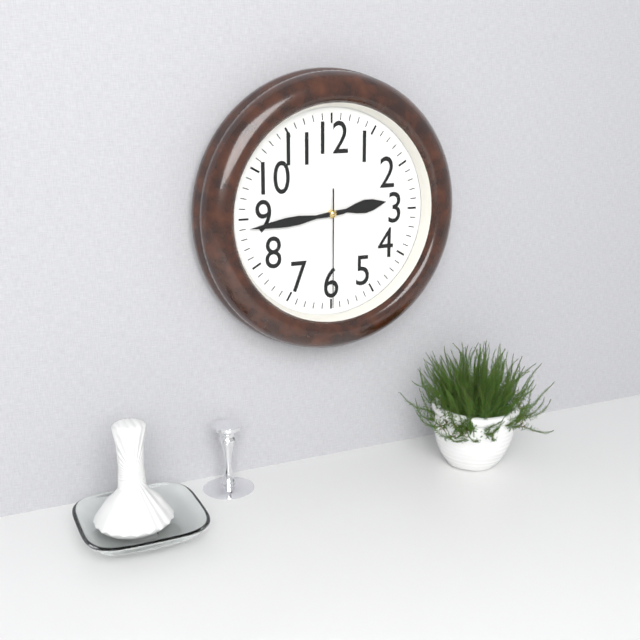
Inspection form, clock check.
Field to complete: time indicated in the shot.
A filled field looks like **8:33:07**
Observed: **2:44:30**
